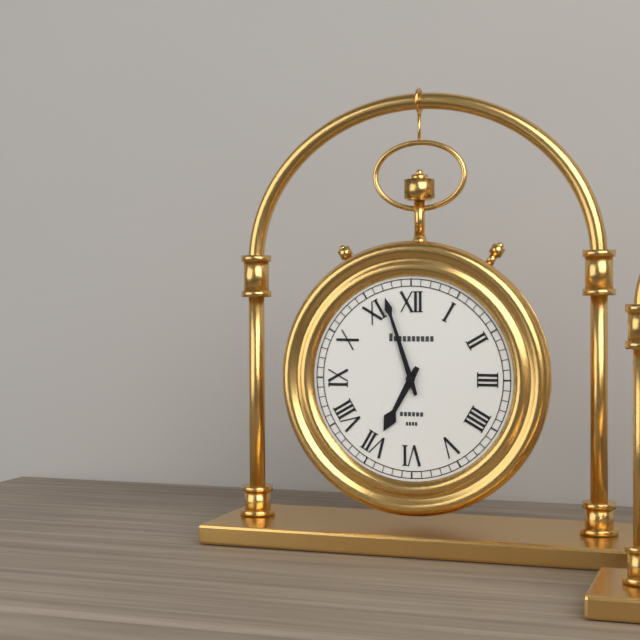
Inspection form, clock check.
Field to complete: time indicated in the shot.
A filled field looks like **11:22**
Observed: **6:57**
